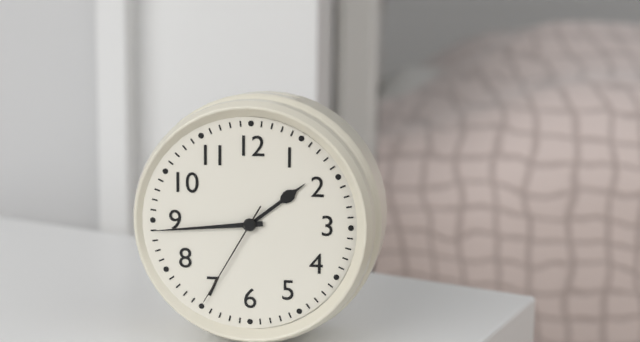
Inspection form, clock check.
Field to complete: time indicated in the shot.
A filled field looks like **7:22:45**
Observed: **1:44:35**
